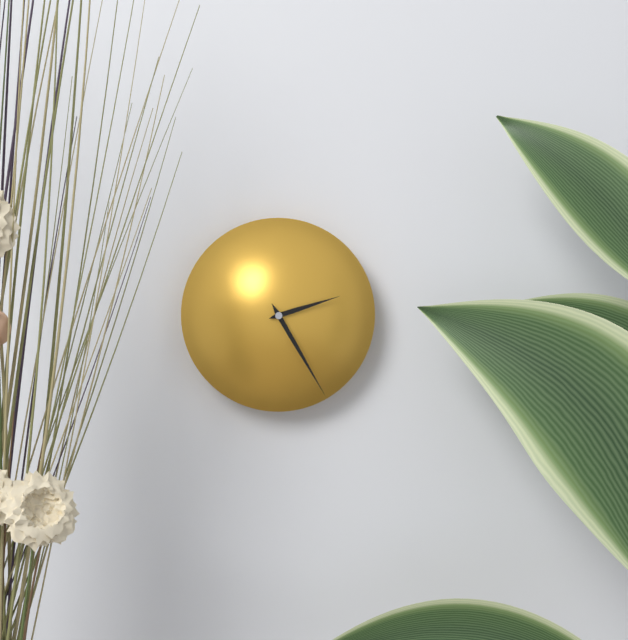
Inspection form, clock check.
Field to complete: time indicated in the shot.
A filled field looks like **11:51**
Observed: **2:25**
